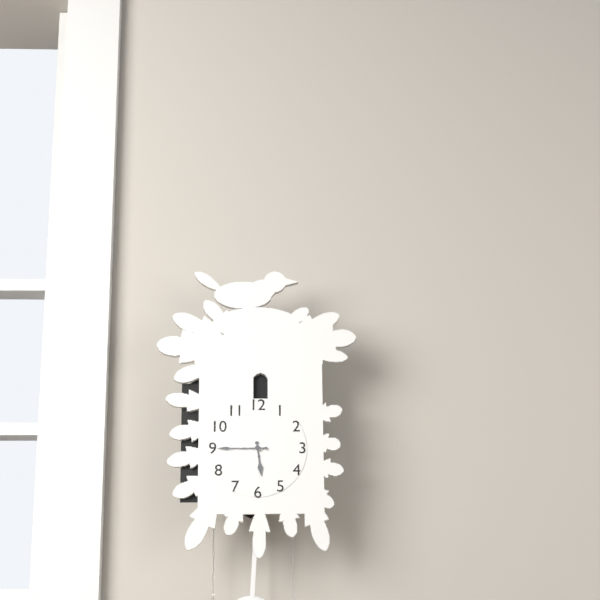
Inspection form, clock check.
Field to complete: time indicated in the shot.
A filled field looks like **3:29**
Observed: **5:45**
